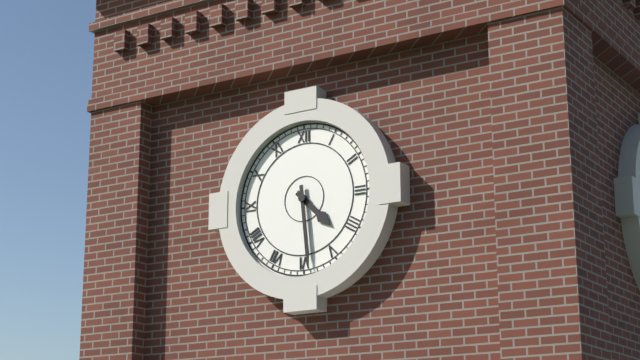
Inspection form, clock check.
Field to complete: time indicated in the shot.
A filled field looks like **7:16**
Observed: **4:29**
